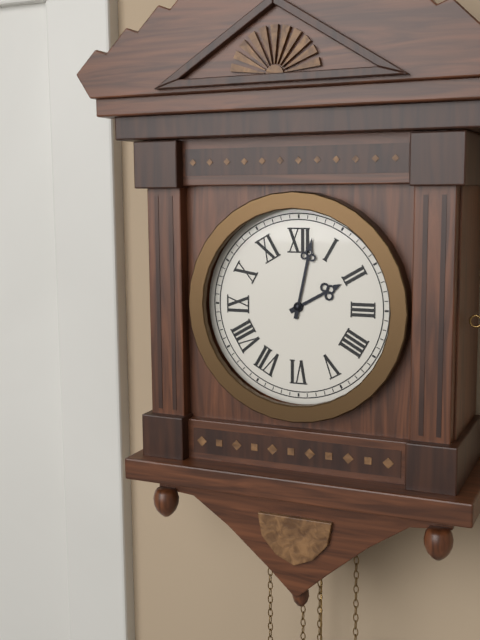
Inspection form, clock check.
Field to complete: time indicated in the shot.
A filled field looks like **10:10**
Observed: **2:02**
